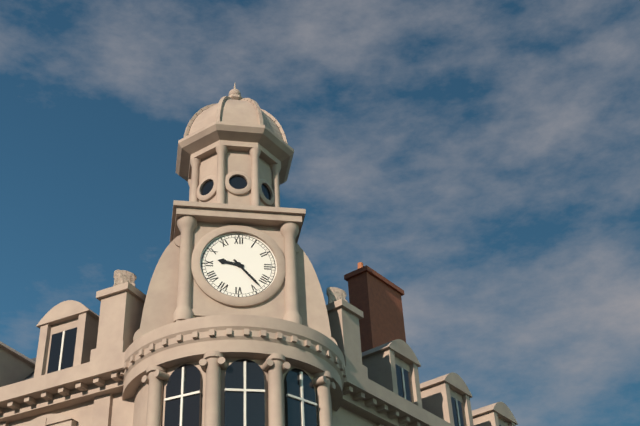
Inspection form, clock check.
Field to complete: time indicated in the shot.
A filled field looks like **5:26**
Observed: **9:23**
